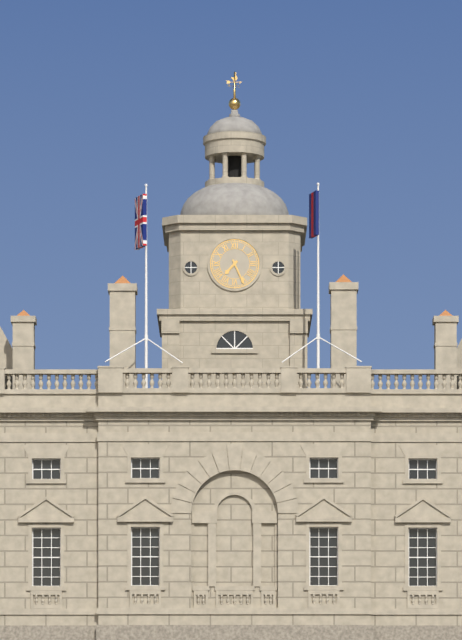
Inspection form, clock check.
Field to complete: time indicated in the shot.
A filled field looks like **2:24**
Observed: **7:26**
